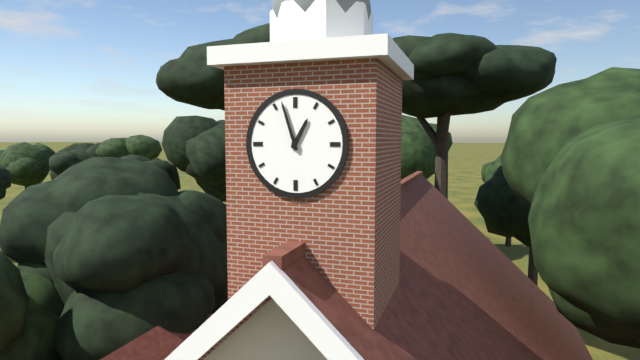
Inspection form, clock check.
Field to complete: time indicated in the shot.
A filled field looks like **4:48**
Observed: **12:57**
